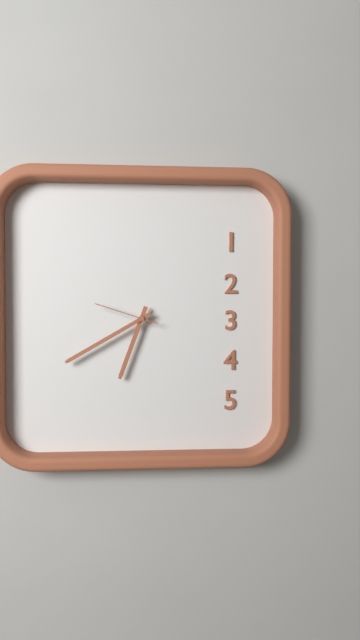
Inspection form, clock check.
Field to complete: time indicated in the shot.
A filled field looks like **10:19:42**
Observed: **6:40:48**
